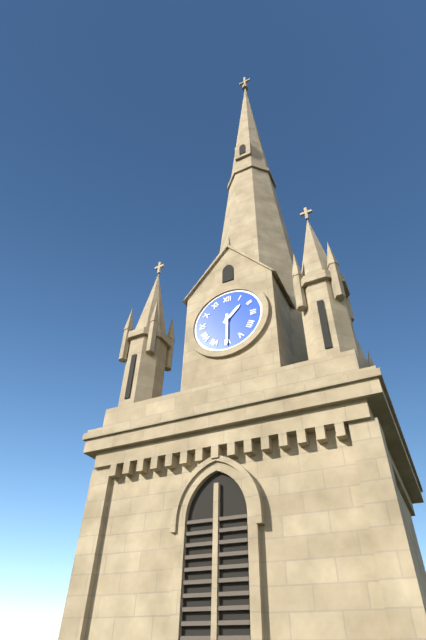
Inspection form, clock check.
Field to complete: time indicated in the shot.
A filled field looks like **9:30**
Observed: **1:30**
